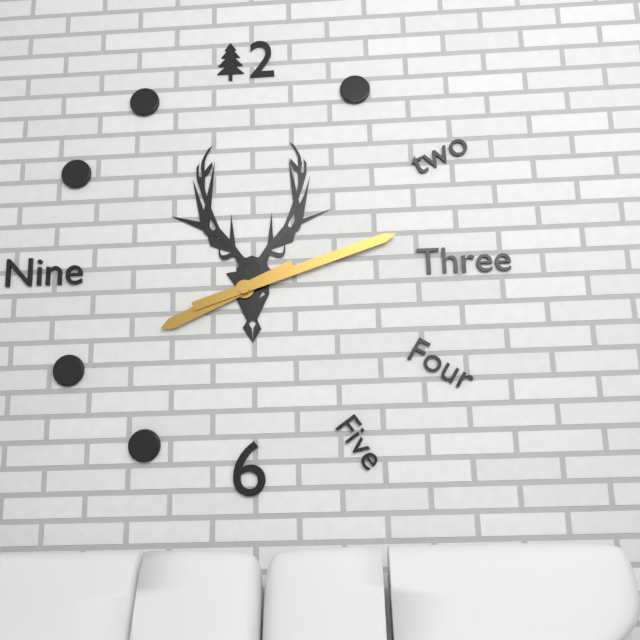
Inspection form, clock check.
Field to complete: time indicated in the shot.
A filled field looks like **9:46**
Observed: **8:12**
